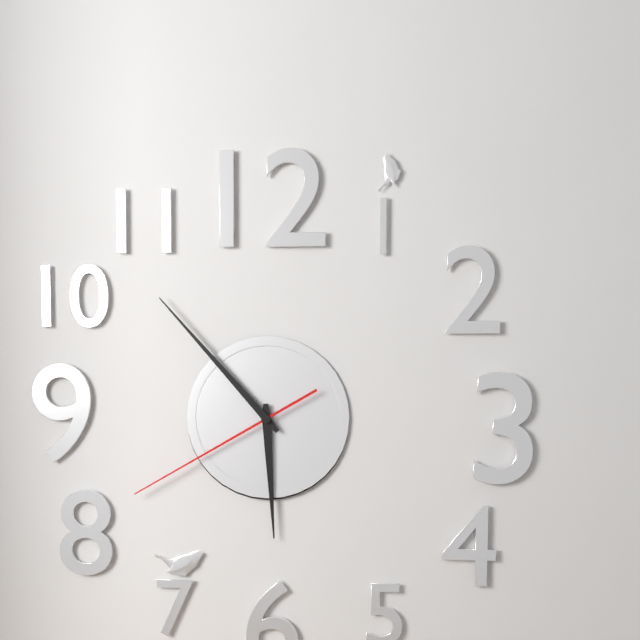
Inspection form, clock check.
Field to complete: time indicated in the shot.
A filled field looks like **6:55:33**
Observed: **5:53:40**
